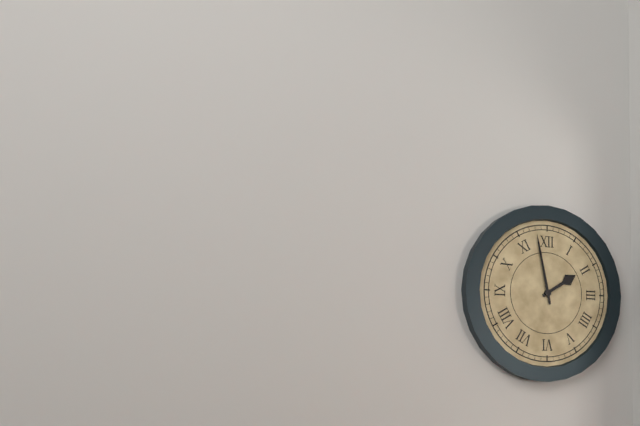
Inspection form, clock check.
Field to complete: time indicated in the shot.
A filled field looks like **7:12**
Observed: **1:58**
